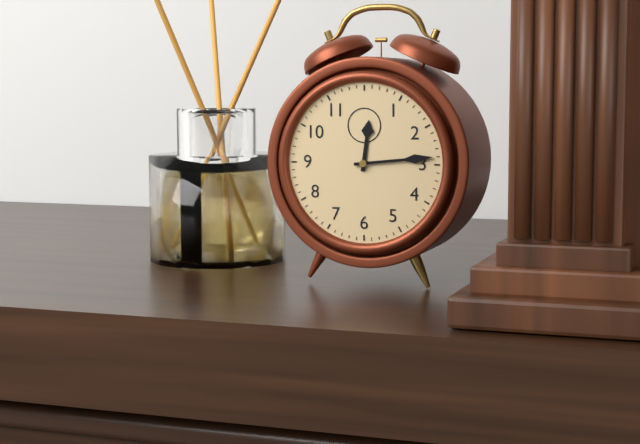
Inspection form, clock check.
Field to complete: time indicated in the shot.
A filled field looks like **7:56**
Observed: **12:14**
